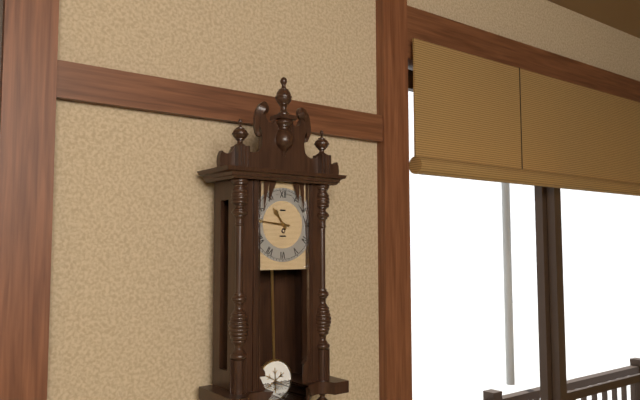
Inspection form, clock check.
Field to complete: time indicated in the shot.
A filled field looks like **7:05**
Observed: **10:46**
